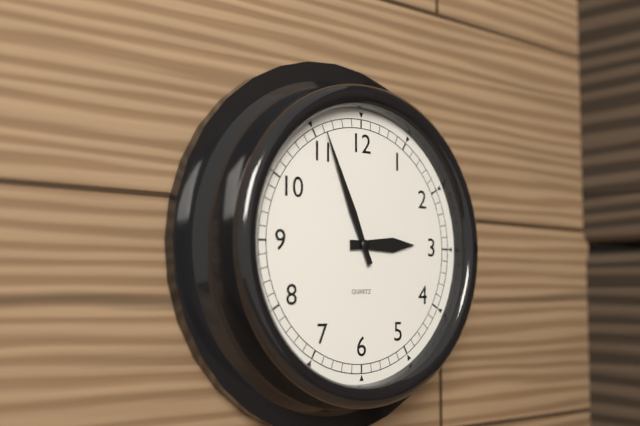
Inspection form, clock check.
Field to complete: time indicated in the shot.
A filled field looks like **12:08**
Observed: **2:56**
